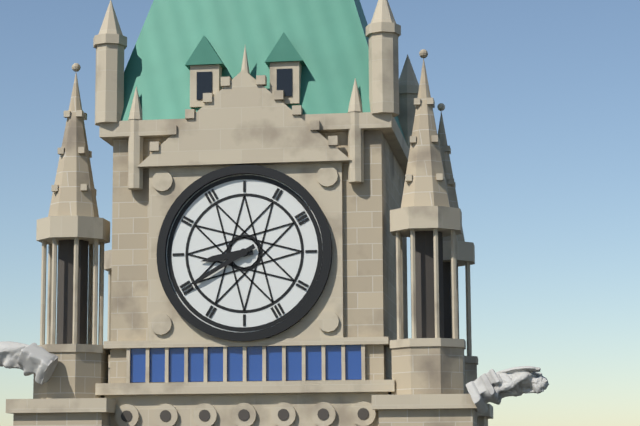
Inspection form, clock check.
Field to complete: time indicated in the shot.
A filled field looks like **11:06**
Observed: **8:40**
